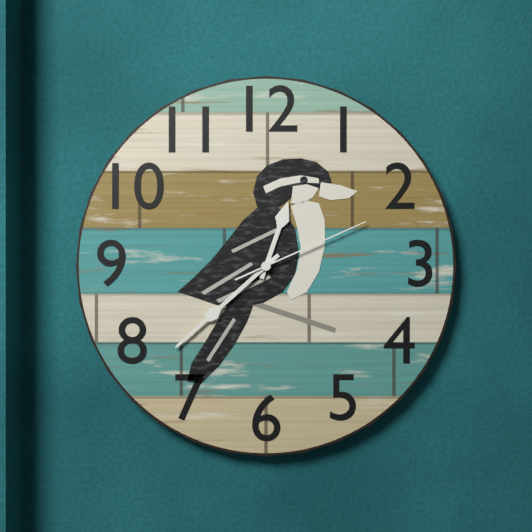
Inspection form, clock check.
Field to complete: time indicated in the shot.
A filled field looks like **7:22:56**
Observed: **12:38:11**
